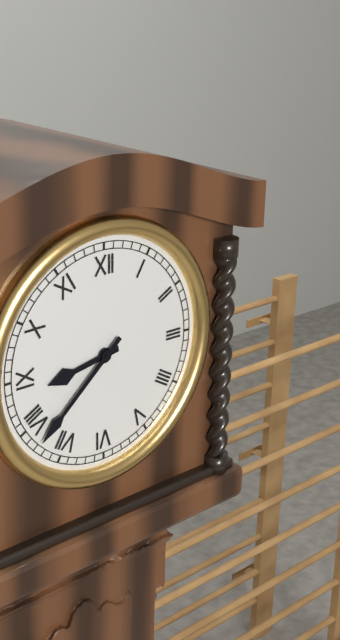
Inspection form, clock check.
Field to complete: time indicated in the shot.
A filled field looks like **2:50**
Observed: **8:38**
